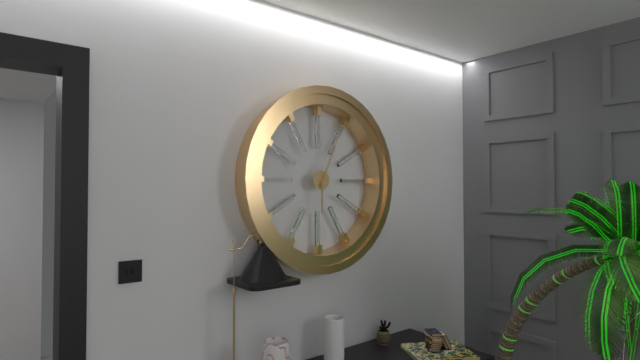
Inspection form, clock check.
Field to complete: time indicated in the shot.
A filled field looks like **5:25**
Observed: **6:04**
